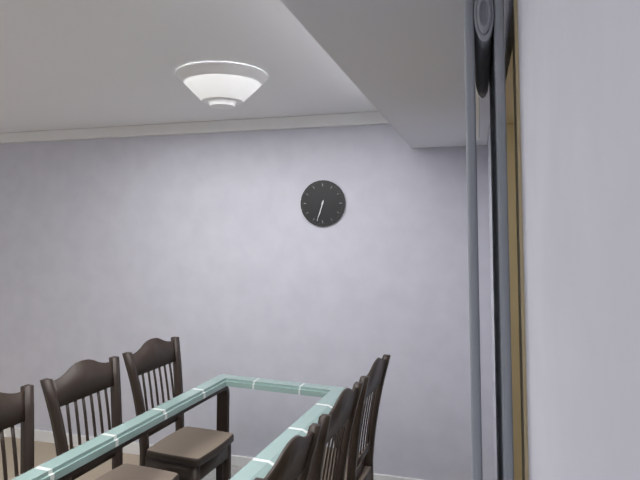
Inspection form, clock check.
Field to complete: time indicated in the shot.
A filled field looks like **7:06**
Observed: **6:33**
